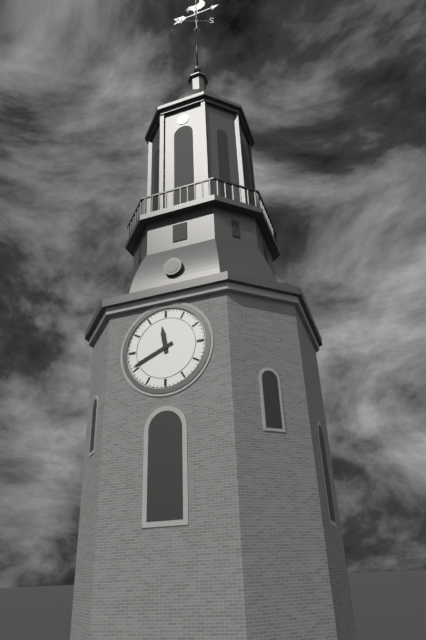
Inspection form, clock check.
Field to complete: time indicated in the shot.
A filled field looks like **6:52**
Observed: **11:41**
